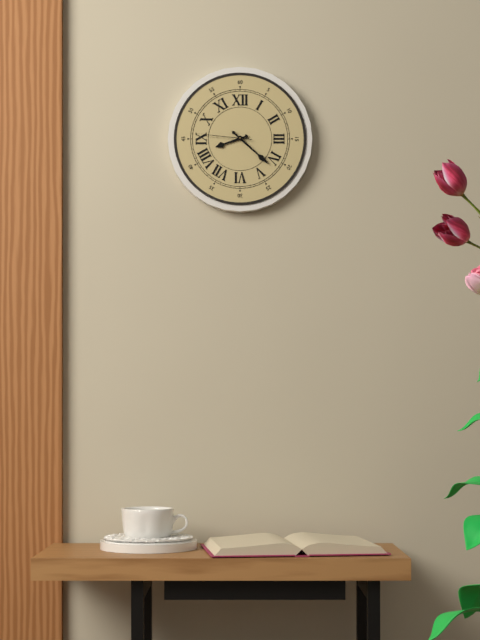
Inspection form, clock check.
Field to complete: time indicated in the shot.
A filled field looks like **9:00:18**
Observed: **8:22:46**
